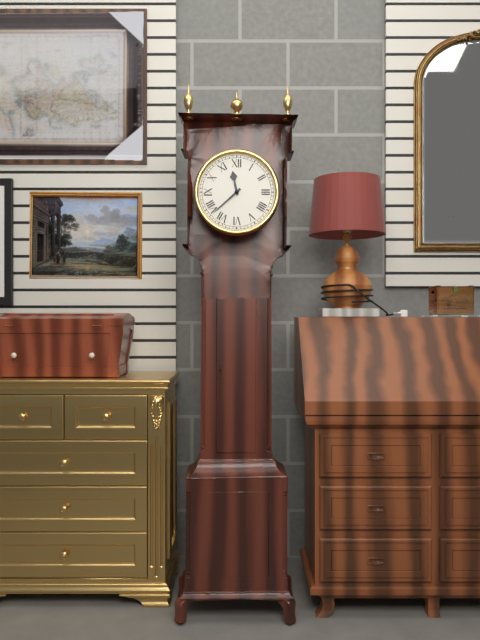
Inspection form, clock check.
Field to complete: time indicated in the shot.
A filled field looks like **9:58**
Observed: **11:38**
